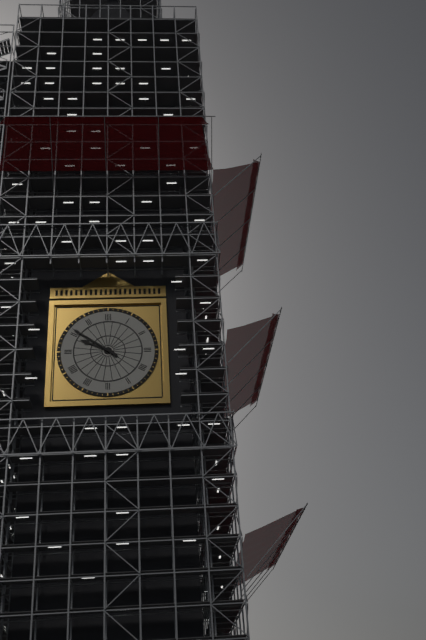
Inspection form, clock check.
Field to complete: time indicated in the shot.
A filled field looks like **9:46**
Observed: **9:51**
